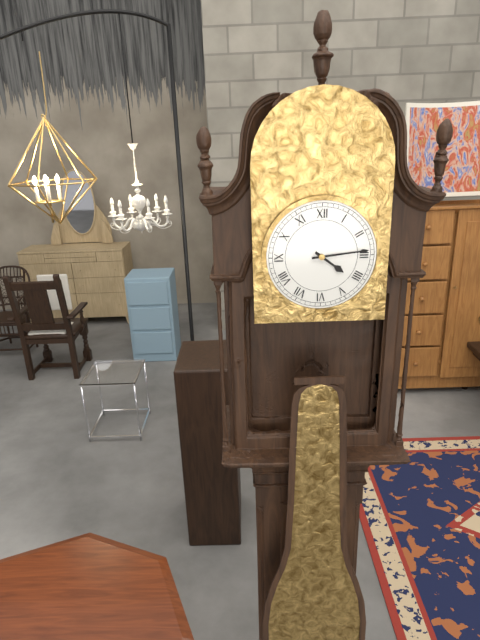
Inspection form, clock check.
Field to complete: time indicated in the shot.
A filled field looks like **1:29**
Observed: **4:14**
